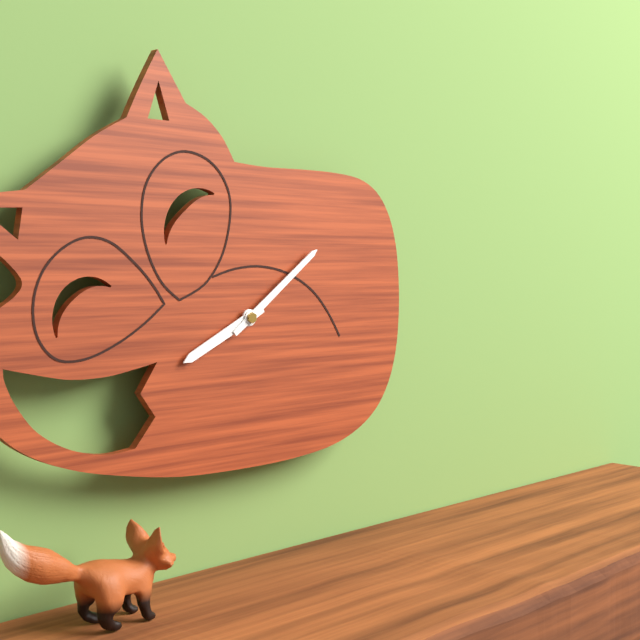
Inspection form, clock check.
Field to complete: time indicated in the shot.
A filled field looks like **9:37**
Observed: **8:09**
